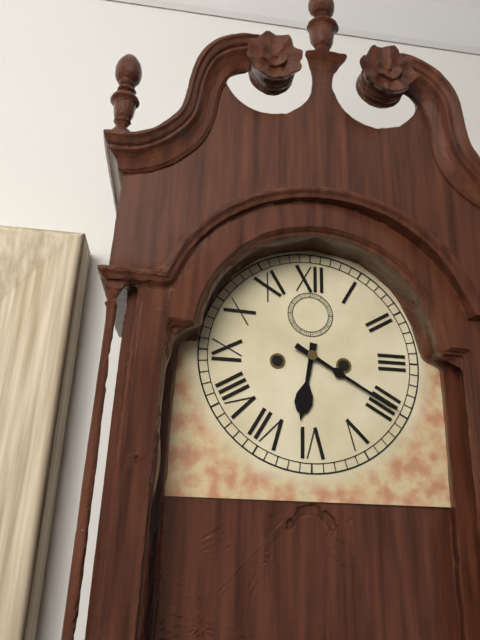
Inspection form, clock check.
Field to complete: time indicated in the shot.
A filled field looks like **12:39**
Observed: **6:20**
